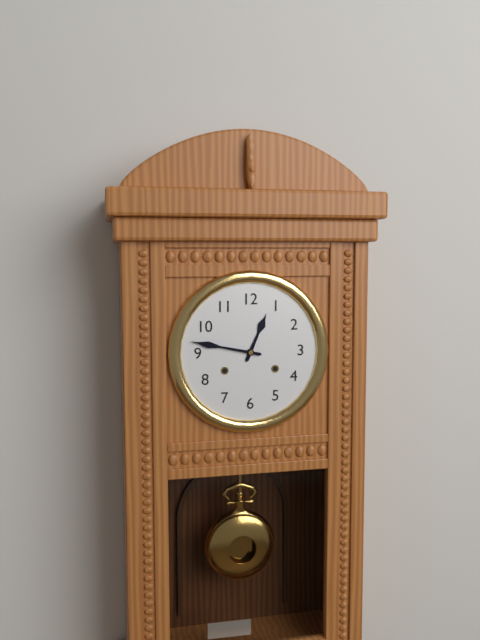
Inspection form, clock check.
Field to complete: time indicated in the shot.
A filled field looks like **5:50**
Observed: **12:47**
